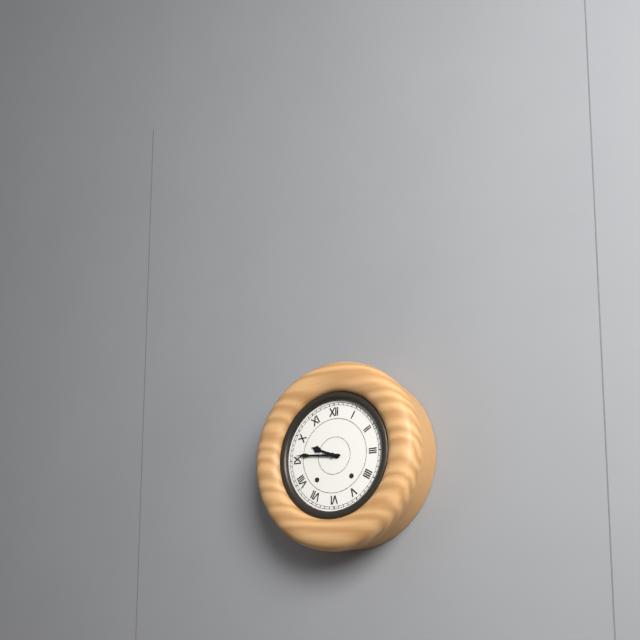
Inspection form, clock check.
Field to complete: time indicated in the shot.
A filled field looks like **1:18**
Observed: **9:46**
